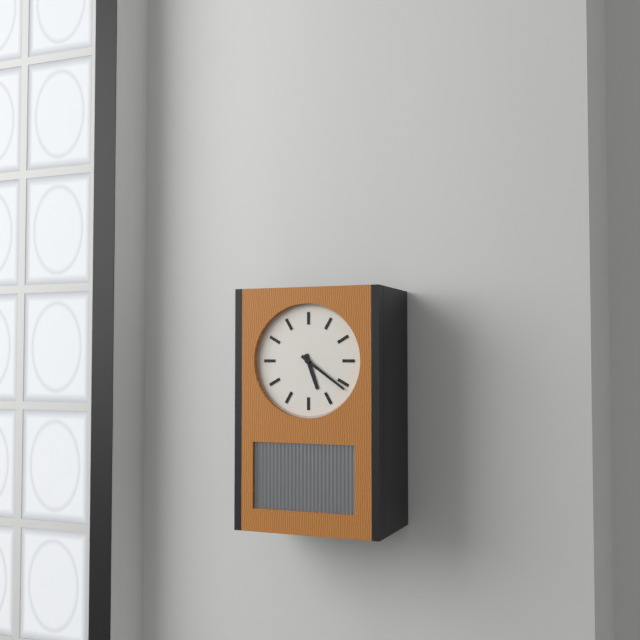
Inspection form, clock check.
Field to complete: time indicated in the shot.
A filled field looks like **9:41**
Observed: **5:21**
